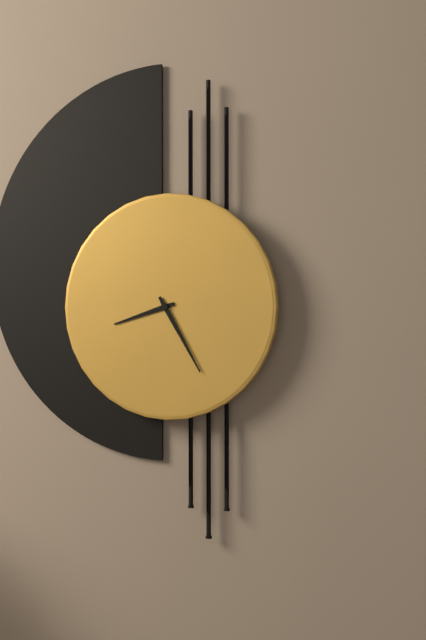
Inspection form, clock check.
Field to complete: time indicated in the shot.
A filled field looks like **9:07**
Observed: **8:25**
